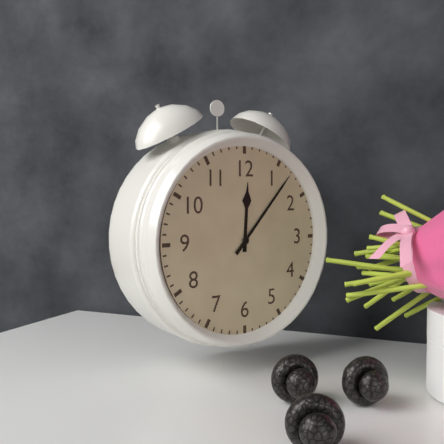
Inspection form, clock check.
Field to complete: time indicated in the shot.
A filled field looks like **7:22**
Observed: **12:07**
